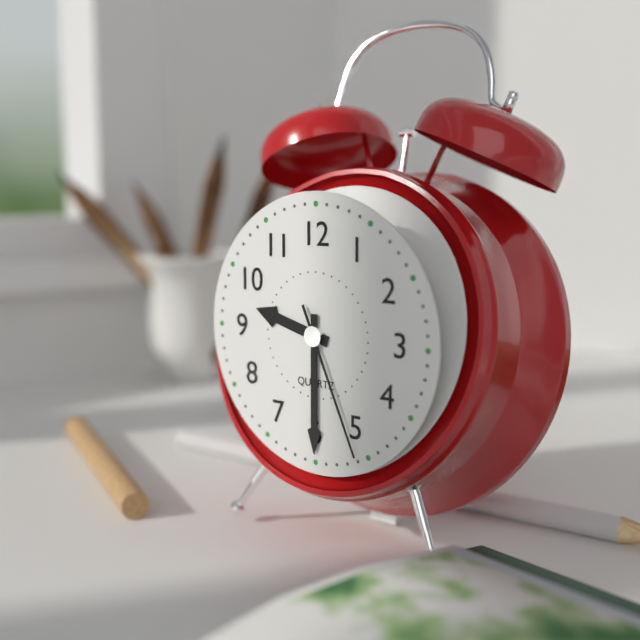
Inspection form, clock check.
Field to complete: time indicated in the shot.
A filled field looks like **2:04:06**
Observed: **9:30:26**
